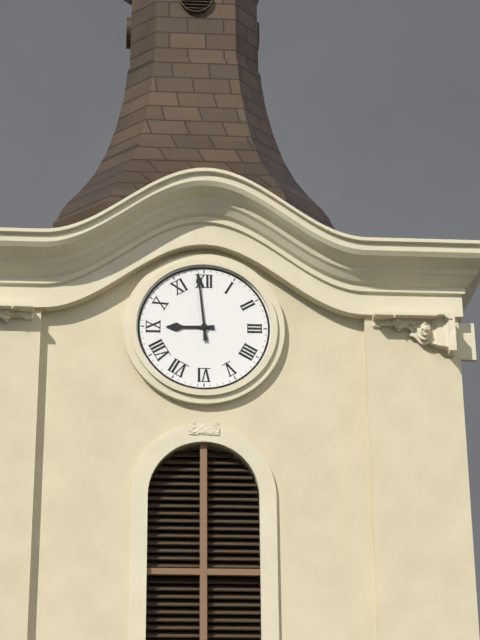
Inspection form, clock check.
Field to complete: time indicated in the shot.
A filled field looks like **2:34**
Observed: **8:59**
